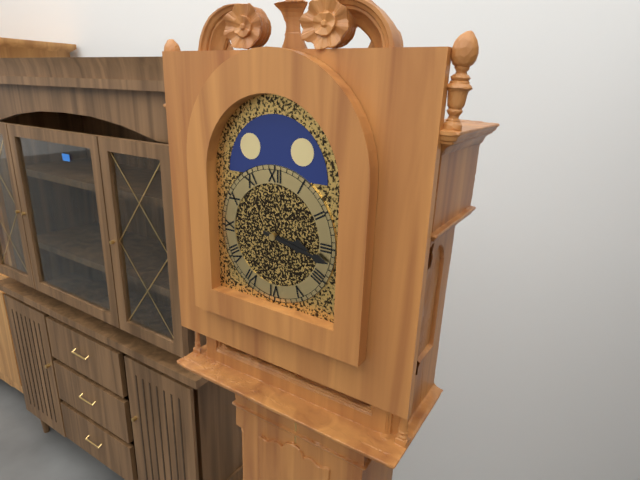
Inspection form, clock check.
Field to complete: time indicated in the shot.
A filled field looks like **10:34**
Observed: **3:17**
